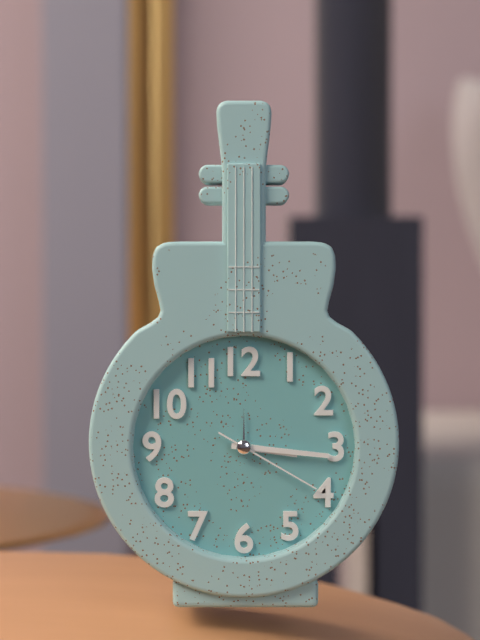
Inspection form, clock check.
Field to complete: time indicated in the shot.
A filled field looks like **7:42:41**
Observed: **3:16:20**
